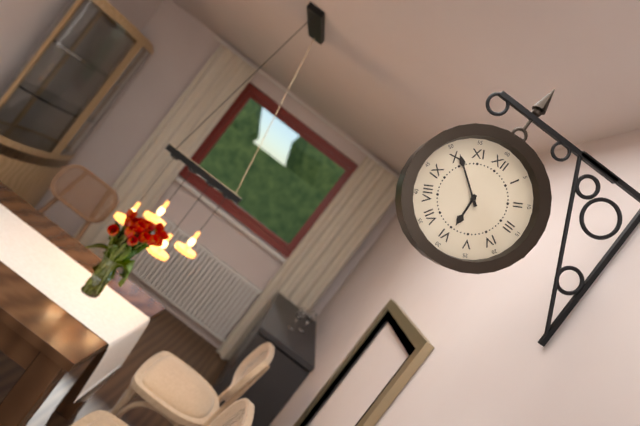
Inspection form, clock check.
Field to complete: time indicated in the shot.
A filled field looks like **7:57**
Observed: **5:51**
